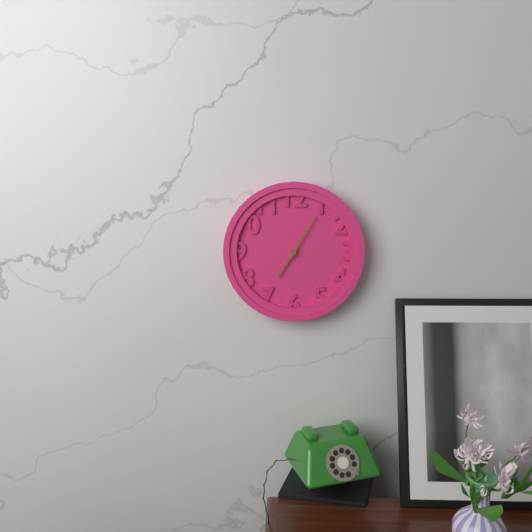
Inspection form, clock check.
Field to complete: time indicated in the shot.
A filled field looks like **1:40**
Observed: **7:05**
